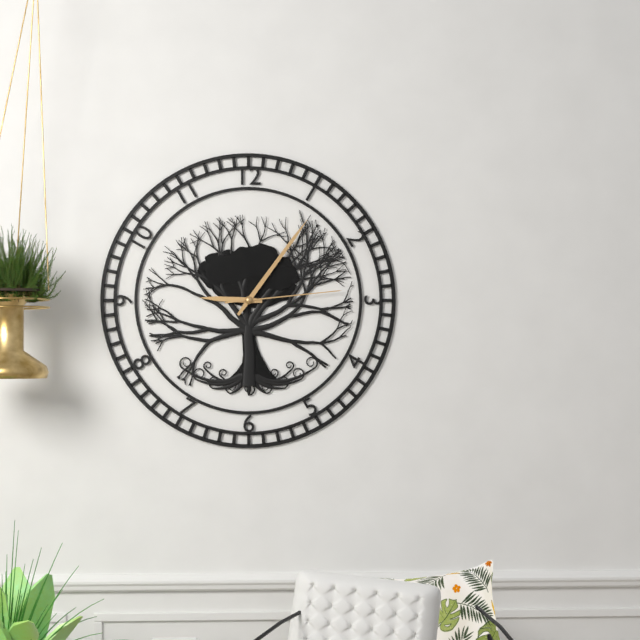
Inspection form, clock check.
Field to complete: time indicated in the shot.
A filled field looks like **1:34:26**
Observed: **9:06:14**
